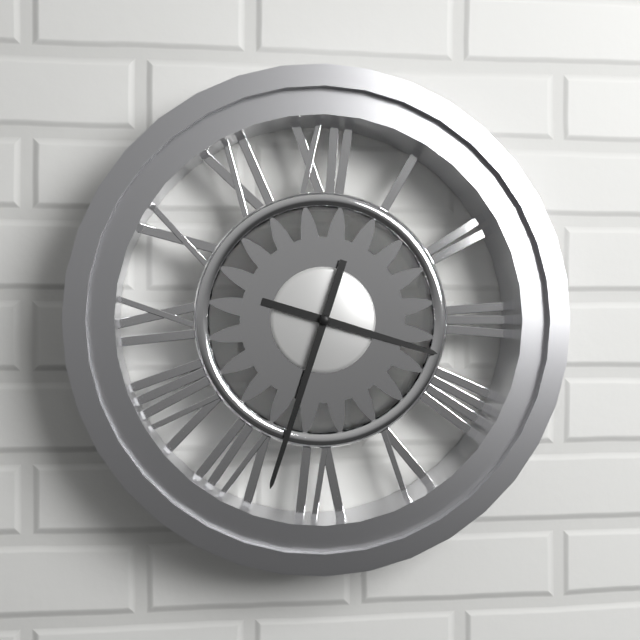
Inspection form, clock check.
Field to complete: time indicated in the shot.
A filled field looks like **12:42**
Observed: **3:33**
